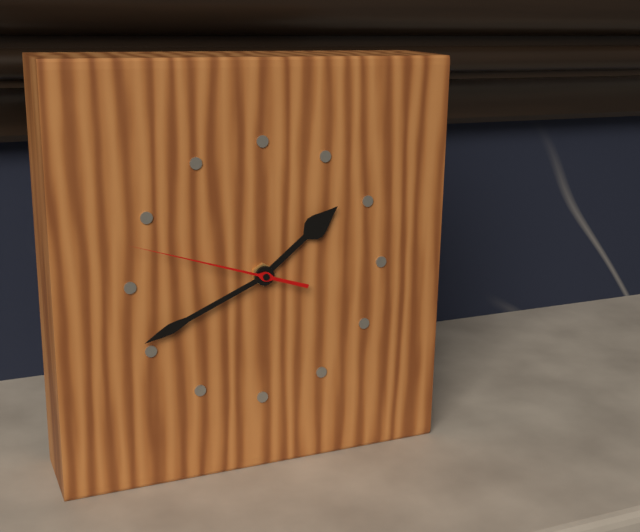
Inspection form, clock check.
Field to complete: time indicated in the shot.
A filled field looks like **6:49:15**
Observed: **1:41:48**
